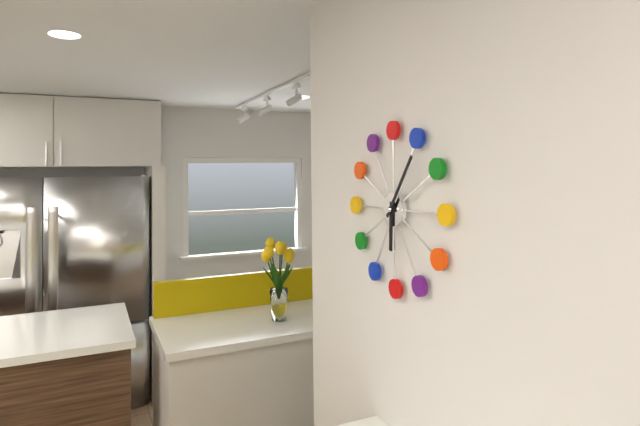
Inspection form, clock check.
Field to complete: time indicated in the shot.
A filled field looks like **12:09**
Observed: **6:06**
